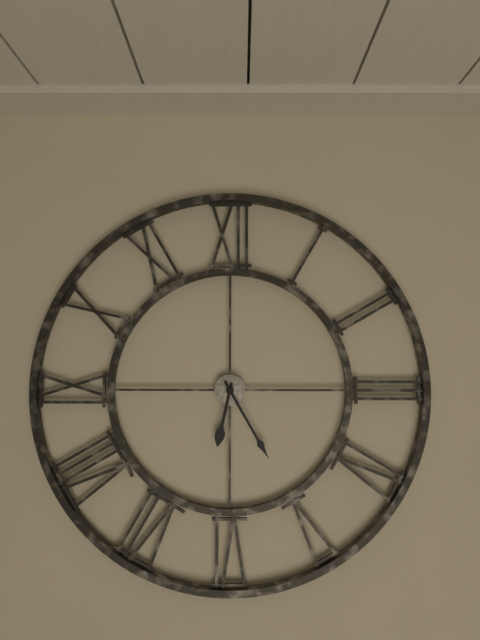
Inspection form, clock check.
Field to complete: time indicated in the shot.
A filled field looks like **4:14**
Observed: **6:25**
